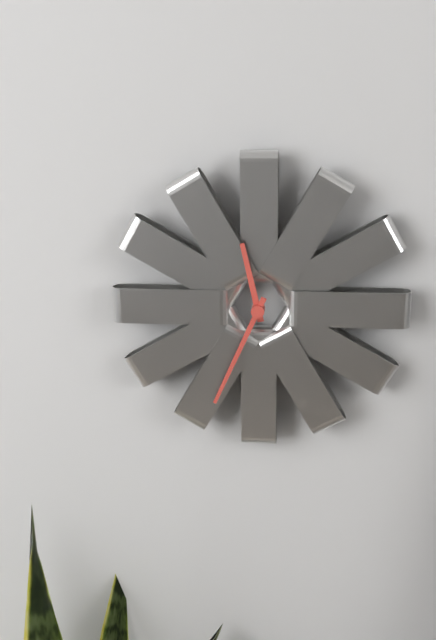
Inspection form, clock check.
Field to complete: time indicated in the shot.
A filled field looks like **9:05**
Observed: **11:34**
